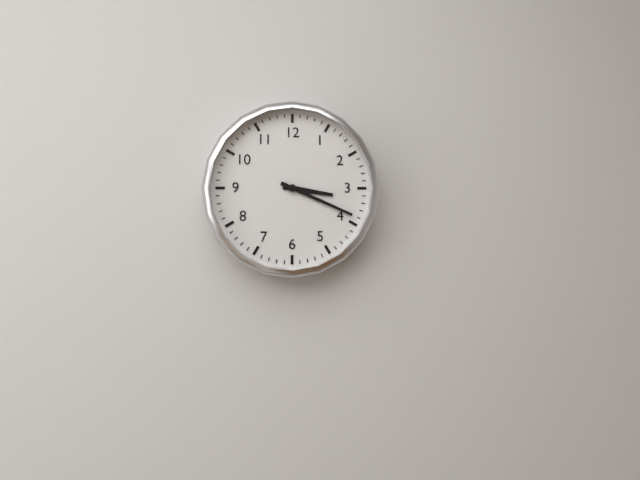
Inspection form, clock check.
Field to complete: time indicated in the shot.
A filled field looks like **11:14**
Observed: **3:19**
